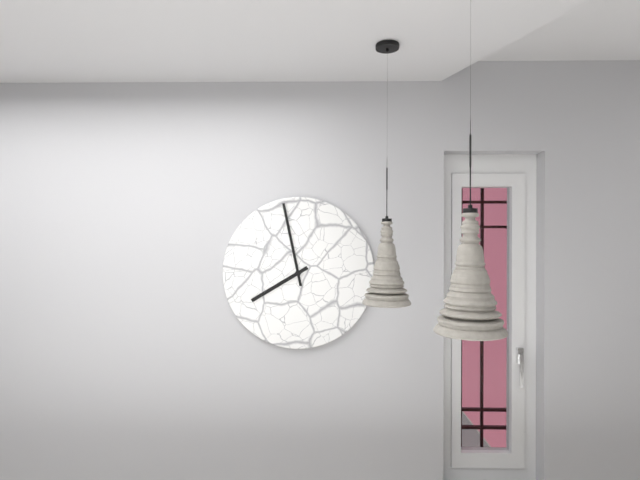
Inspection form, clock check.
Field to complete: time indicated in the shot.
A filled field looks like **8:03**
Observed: **7:58**
